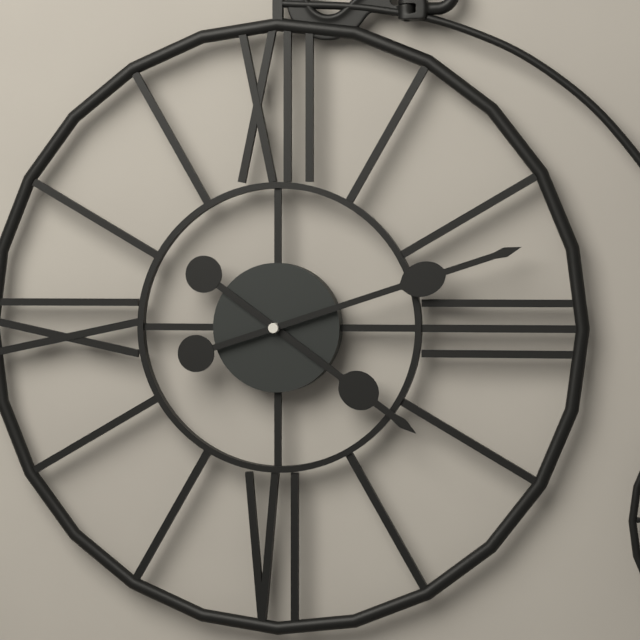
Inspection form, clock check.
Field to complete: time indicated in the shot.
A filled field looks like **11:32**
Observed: **4:12**
